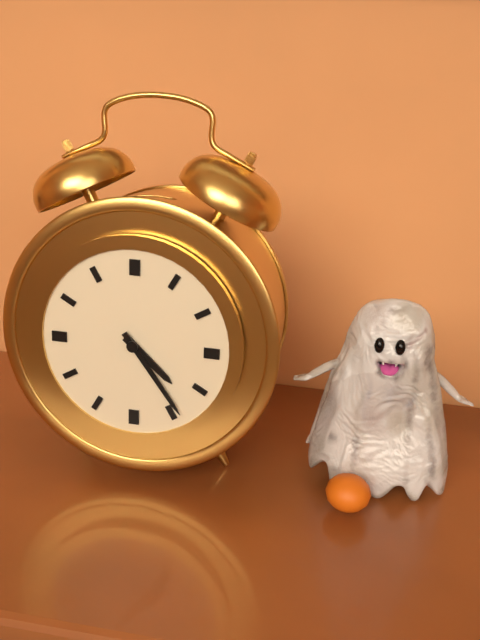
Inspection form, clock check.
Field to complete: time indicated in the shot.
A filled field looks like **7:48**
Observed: **4:24**
